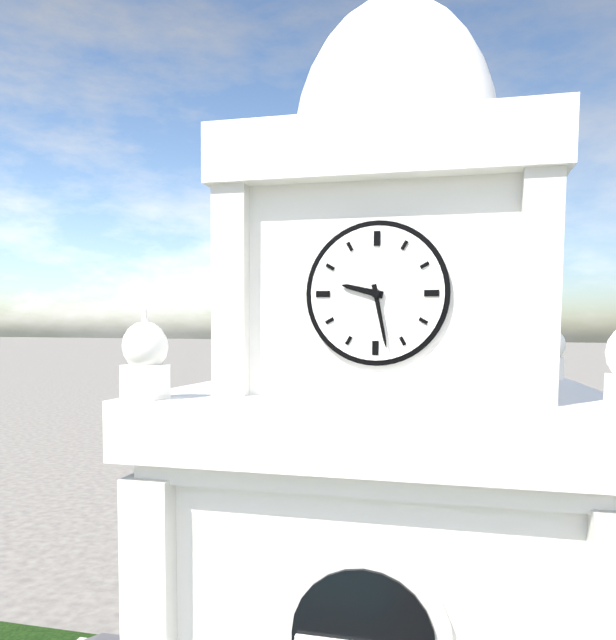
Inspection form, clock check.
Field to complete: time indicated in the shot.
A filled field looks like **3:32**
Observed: **9:28**
